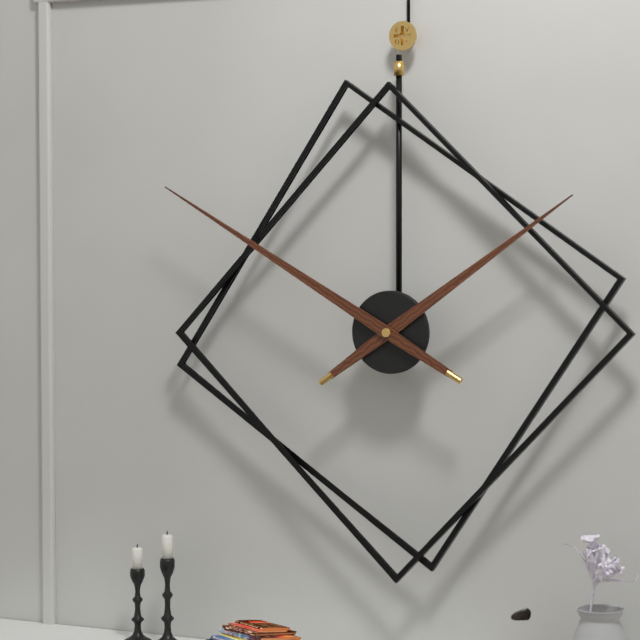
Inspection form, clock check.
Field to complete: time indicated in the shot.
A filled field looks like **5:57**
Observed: **1:50**
